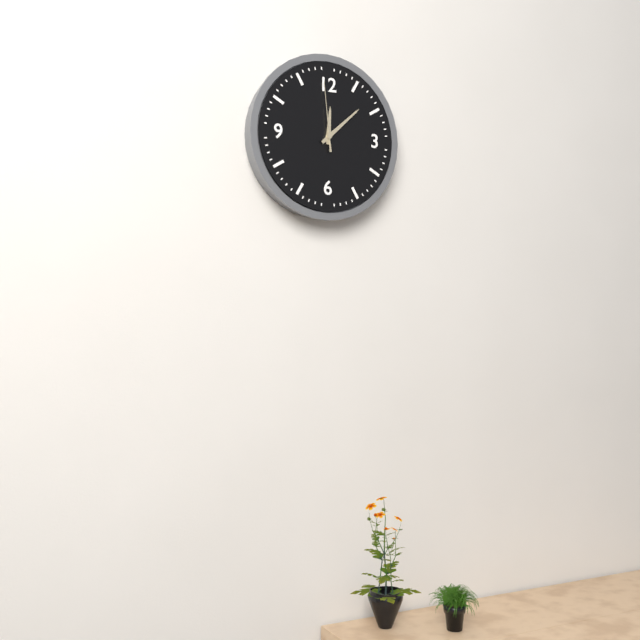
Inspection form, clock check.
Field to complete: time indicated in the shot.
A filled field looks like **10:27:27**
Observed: **12:08:59**
